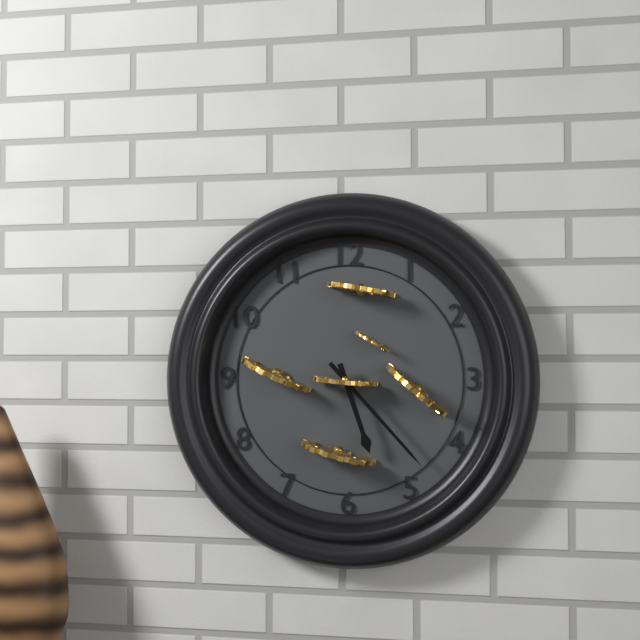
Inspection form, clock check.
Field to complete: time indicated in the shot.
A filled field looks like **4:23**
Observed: **5:23**
